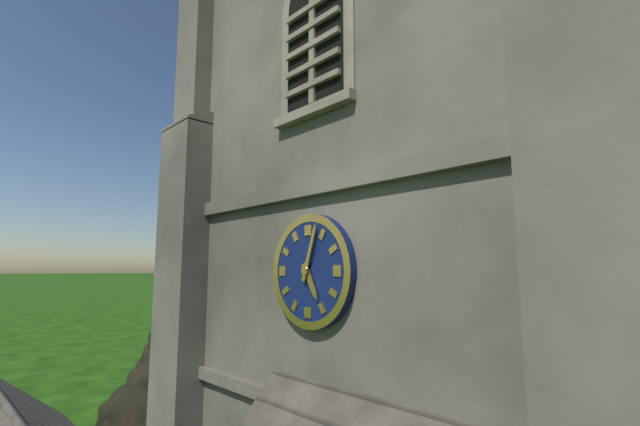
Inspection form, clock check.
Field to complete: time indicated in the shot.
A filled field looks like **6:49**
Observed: **5:03**
